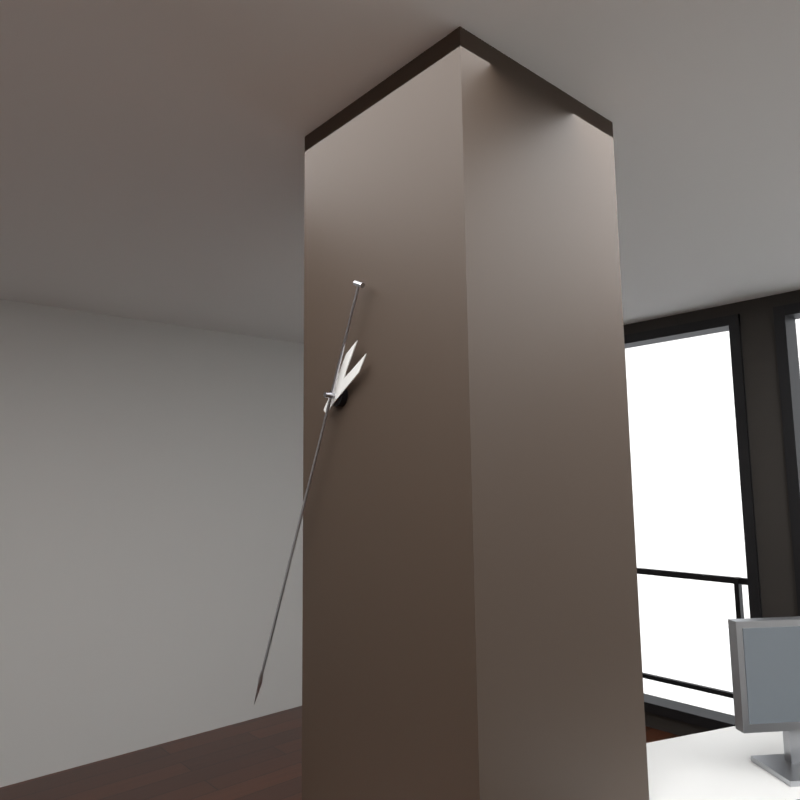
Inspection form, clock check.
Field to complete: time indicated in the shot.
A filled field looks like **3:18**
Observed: **1:34**
